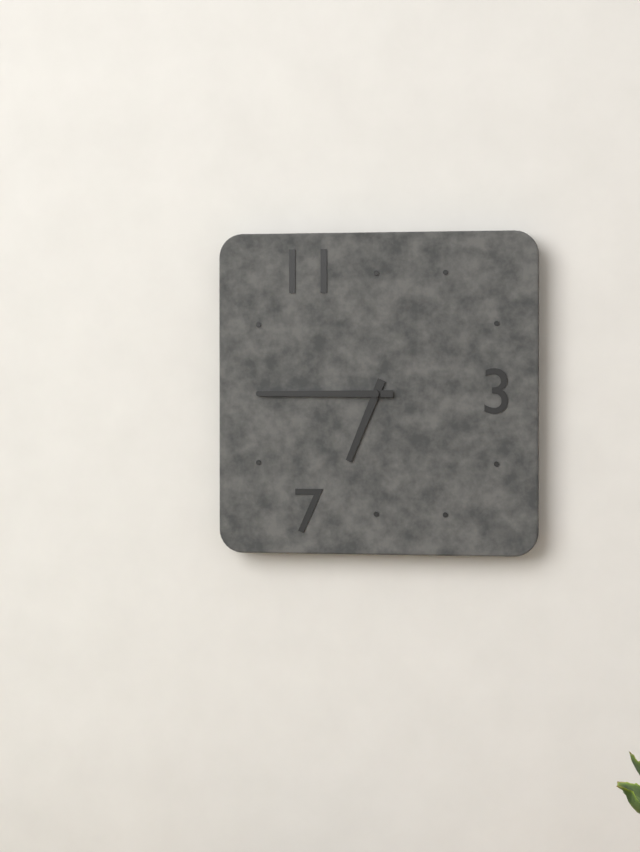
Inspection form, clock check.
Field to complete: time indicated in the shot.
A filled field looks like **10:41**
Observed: **6:45**
